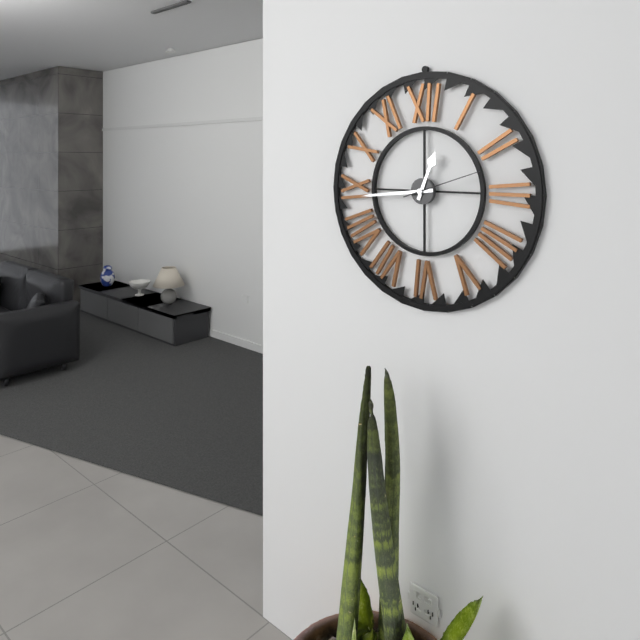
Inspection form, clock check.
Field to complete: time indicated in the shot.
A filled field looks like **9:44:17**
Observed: **12:44:12**
